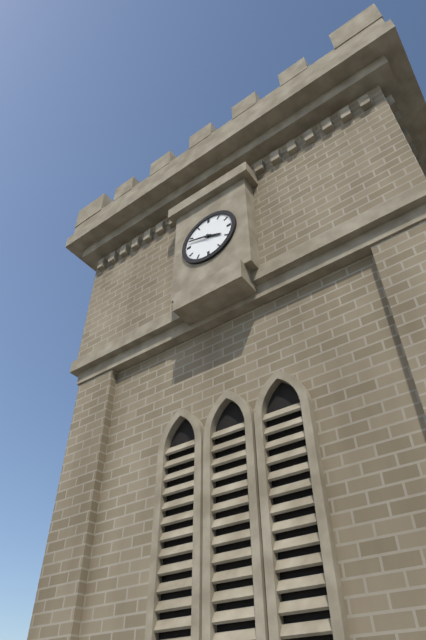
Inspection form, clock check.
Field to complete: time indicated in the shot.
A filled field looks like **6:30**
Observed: **3:48**
